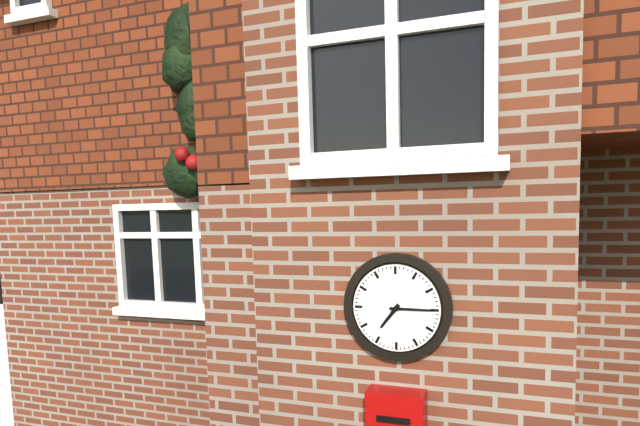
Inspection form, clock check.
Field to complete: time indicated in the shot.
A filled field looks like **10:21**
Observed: **7:15**
